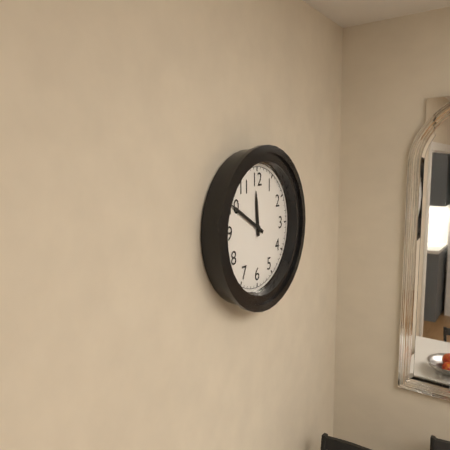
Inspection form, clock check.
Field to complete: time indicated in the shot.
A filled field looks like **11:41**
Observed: **11:50**
